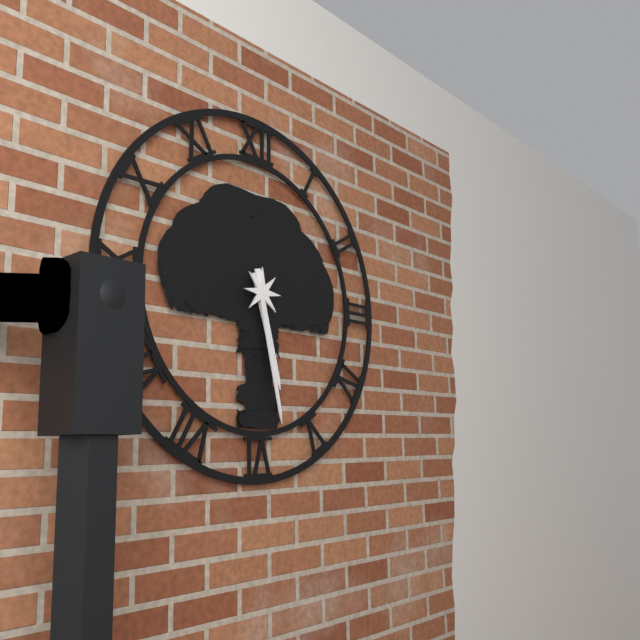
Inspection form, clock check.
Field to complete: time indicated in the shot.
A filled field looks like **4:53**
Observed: **5:28**
